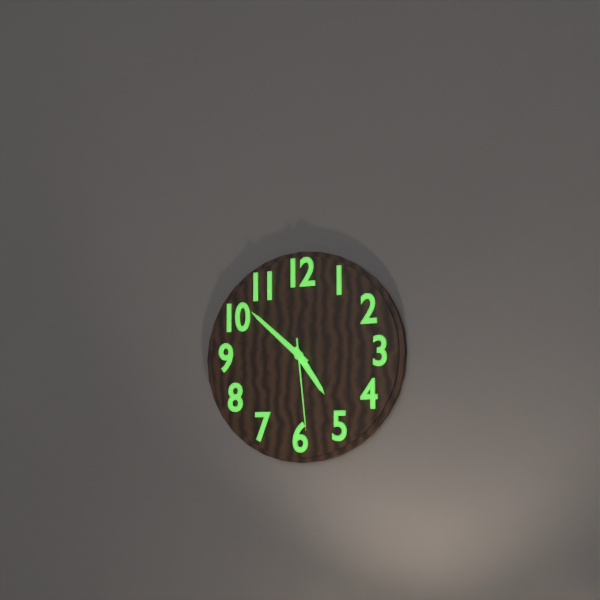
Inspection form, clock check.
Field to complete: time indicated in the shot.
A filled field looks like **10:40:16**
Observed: **4:52:29**
